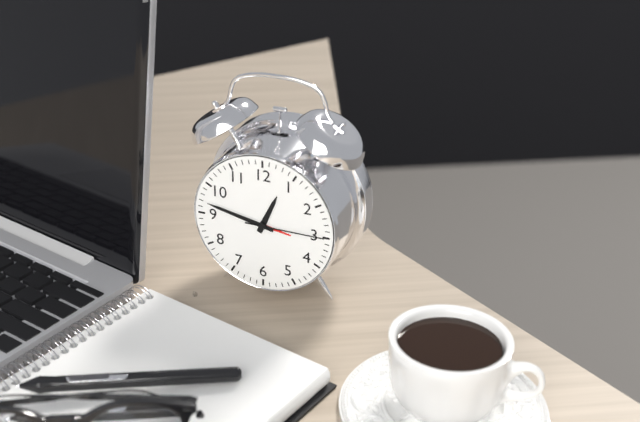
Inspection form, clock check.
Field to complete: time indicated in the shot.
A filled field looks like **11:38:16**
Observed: **12:47:15**
